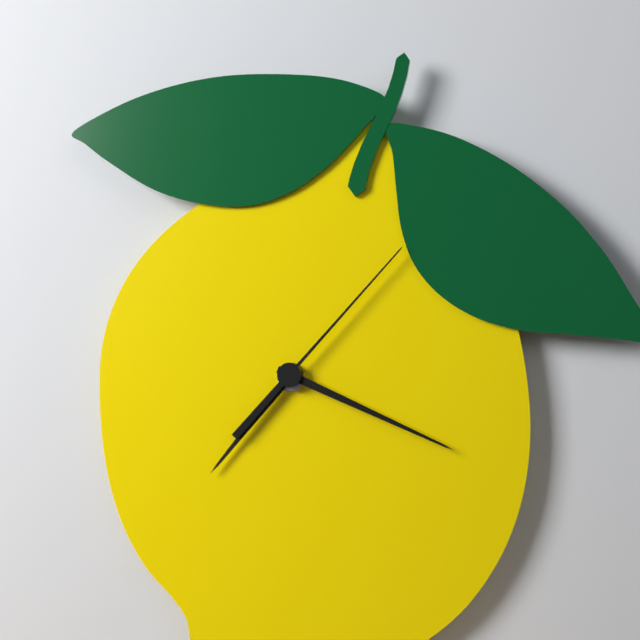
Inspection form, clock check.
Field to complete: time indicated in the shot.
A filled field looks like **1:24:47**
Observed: **7:19:07**
